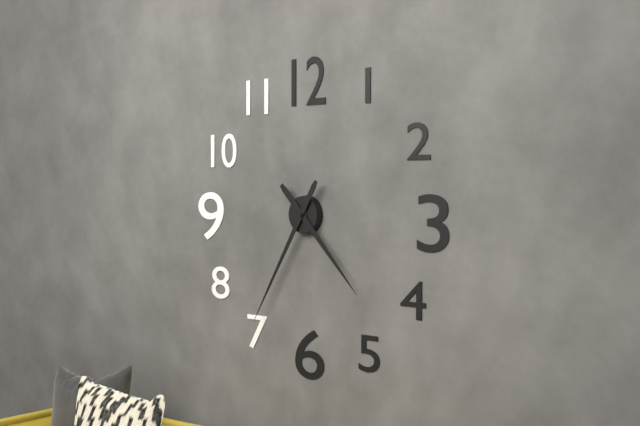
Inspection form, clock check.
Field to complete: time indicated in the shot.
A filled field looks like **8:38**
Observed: **4:35**
